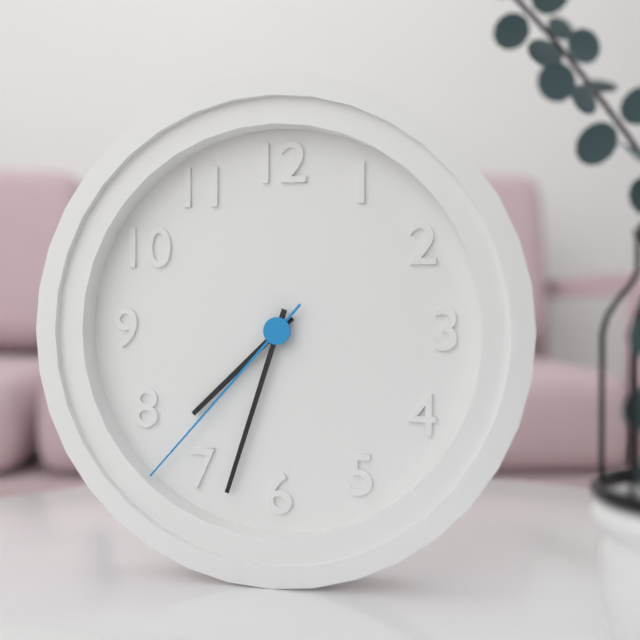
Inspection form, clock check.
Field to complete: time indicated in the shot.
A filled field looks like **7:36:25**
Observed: **7:33:37**
